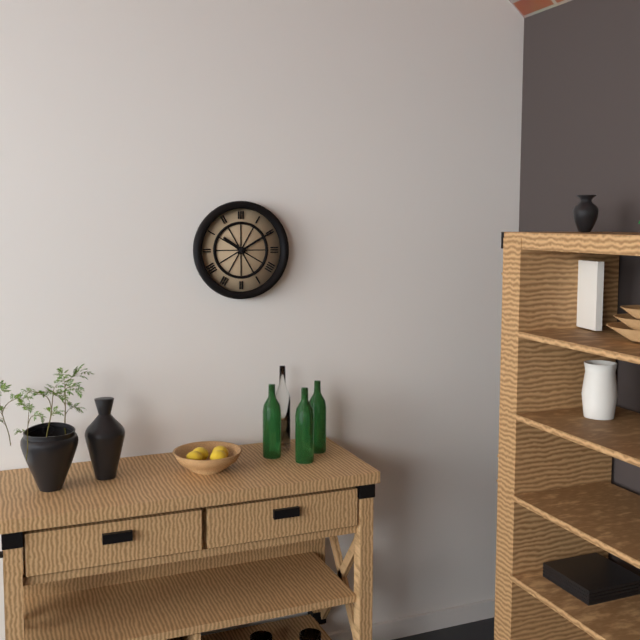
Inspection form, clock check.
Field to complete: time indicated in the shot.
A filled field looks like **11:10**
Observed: **10:10**
